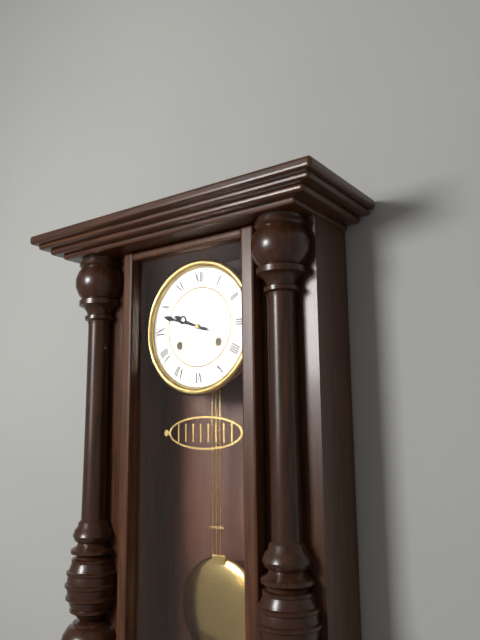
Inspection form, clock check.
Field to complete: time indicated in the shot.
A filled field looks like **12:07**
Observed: **9:48**
